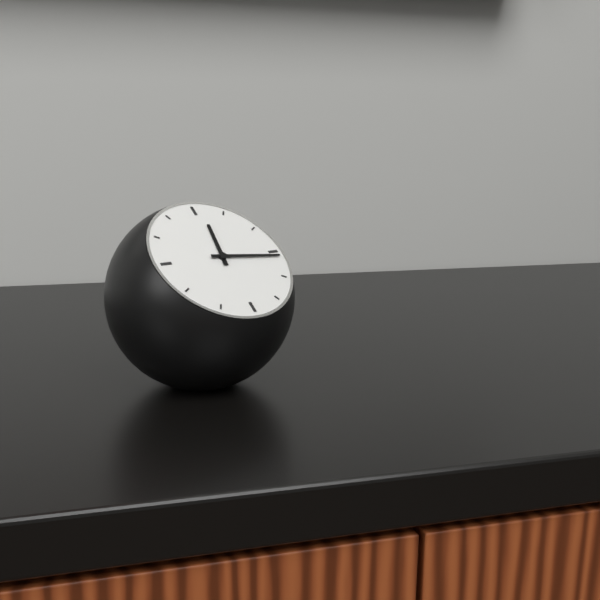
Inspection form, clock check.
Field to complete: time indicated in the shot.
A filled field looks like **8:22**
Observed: **12:16**
